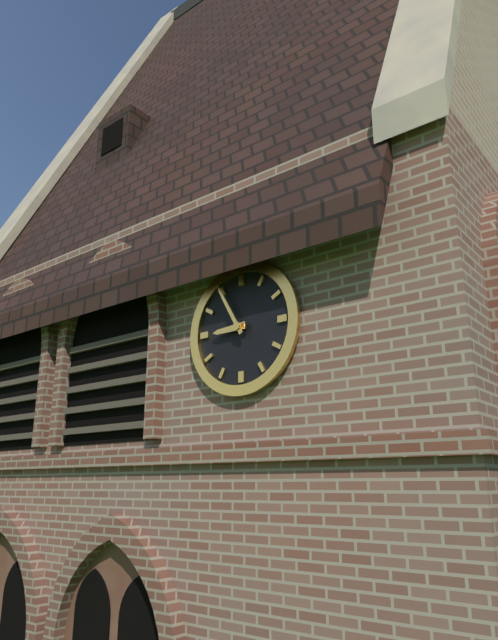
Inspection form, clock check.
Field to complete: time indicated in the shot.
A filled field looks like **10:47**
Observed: **8:55**
